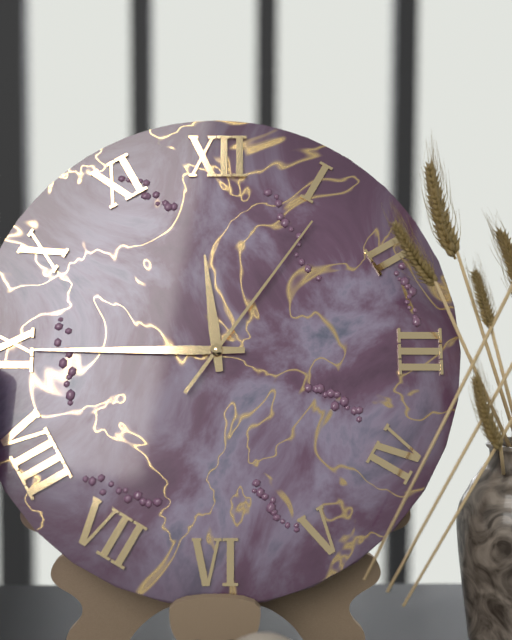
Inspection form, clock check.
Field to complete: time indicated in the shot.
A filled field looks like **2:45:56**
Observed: **11:45:06**
